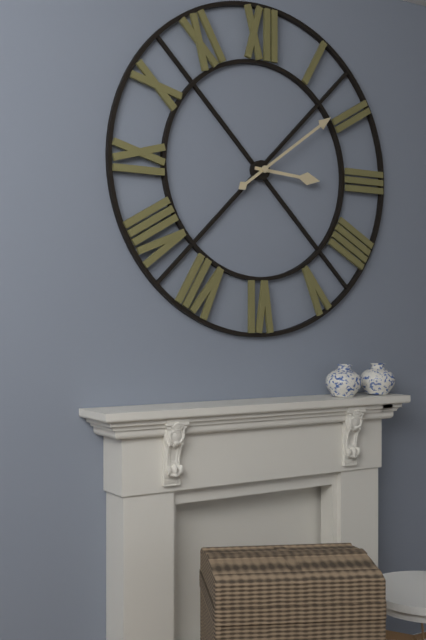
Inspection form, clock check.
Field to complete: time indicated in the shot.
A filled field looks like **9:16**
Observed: **3:09**
